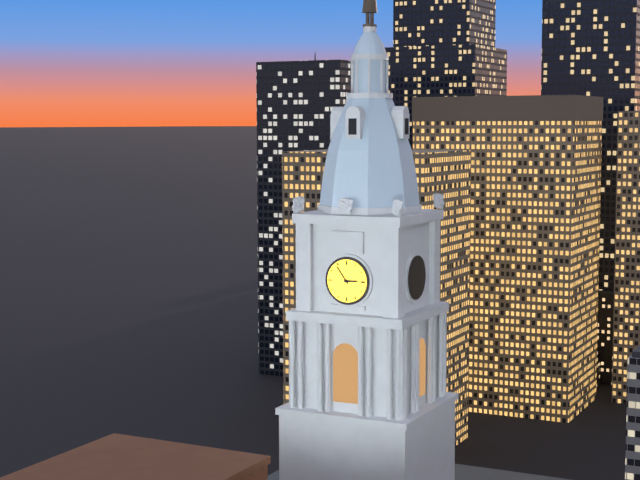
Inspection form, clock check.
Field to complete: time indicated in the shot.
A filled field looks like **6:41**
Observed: **2:54**
